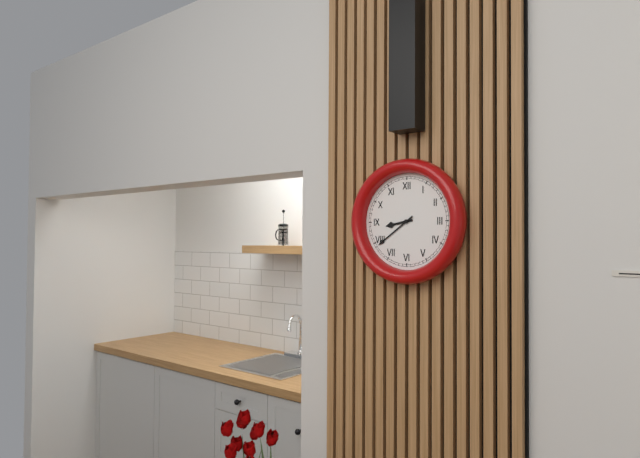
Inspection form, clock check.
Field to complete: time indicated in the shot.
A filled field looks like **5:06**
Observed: **8:39**
